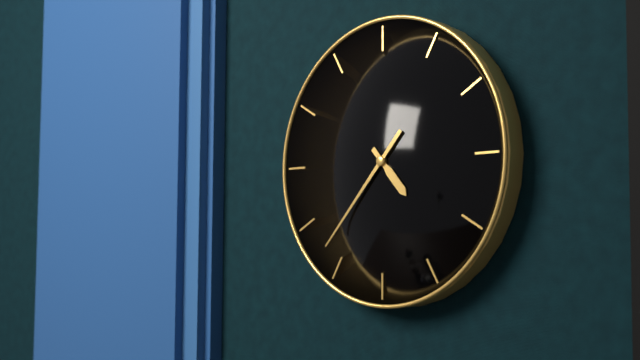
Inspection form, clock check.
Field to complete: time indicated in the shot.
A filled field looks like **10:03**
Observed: **4:37**
